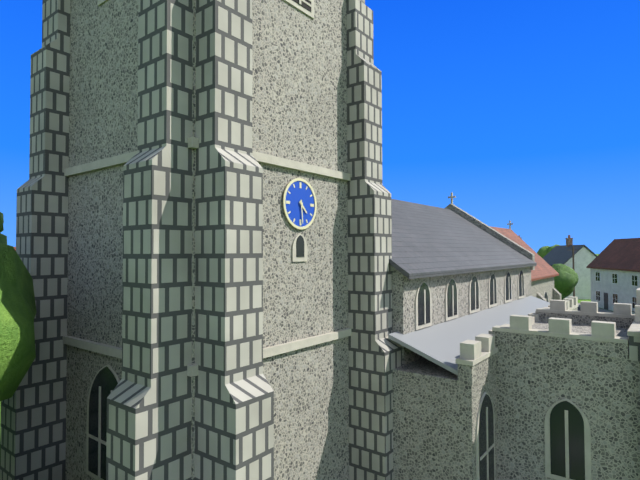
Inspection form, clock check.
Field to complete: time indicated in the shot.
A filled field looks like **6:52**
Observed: **4:29**
